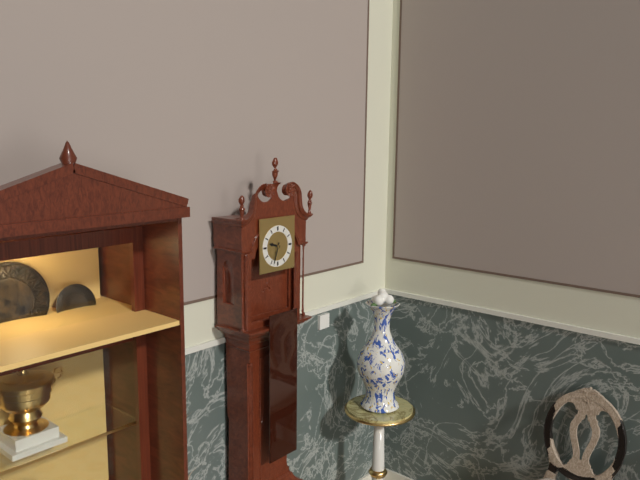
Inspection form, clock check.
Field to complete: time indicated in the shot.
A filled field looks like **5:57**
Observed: **9:33**
